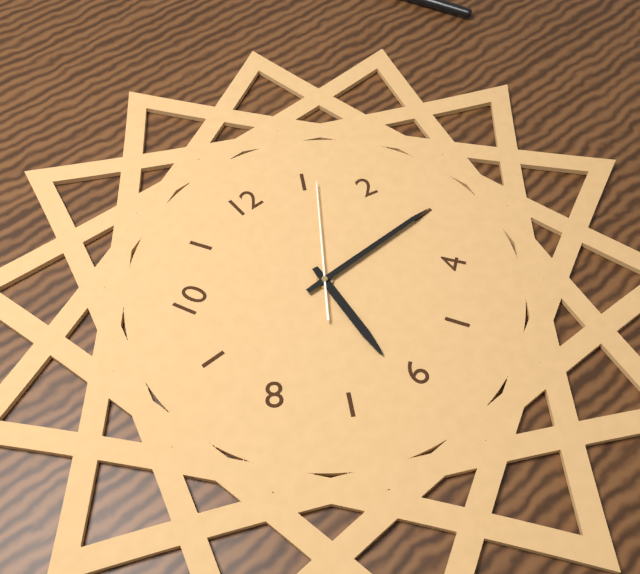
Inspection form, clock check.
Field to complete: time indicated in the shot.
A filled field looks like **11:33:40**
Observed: **6:15:06**
